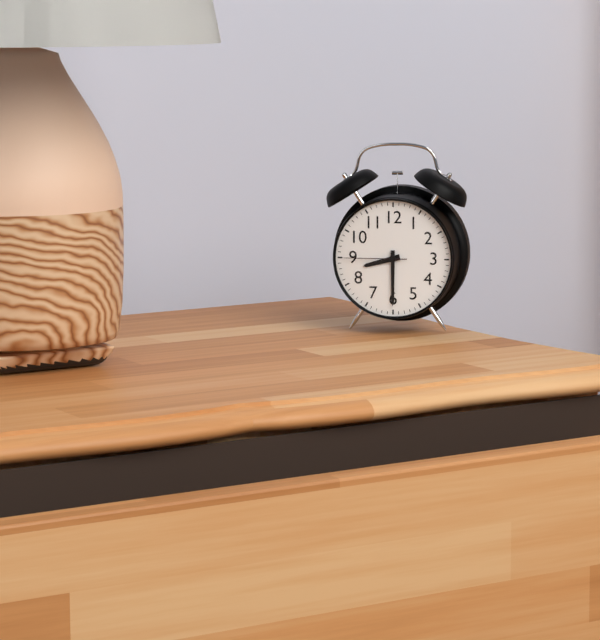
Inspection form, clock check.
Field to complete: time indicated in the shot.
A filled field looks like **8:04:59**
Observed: **8:30:45**
